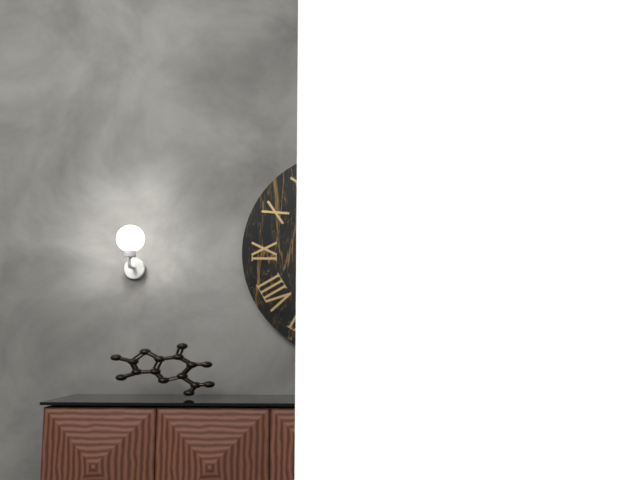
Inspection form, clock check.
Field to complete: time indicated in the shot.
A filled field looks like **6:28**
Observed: **9:24**
